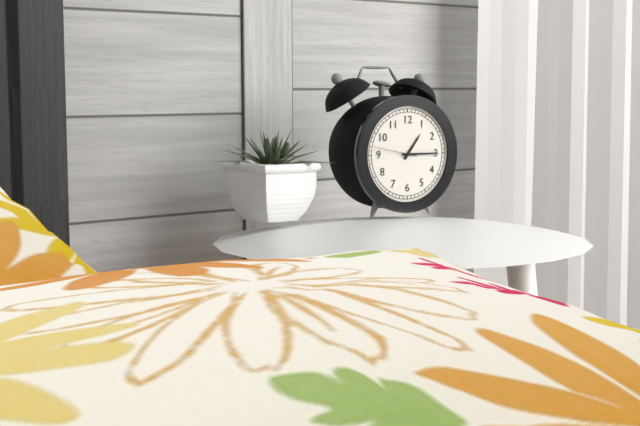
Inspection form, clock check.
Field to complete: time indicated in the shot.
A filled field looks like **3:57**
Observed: **1:15**
